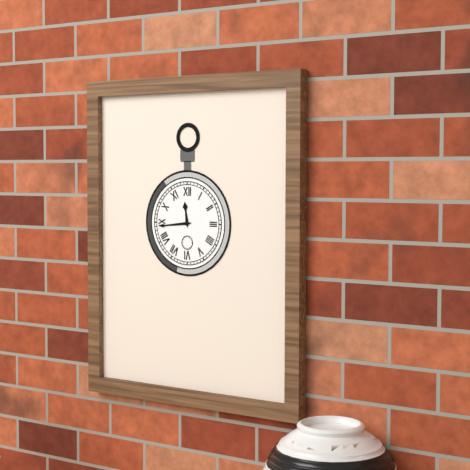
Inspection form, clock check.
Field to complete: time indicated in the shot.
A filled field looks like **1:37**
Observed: **11:44**
